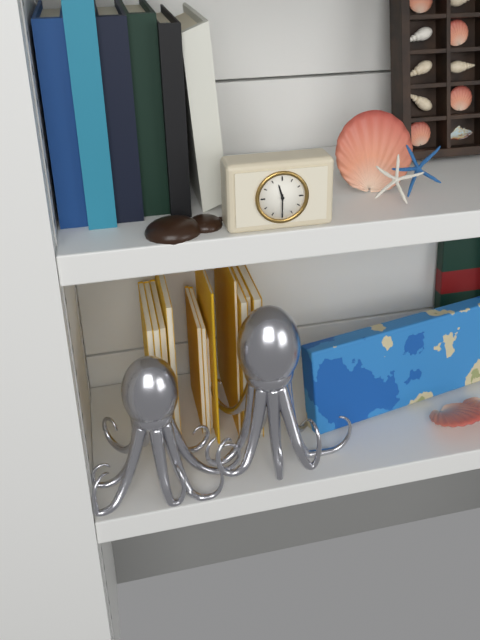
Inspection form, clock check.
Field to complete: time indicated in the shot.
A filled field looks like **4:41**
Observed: **11:30**
